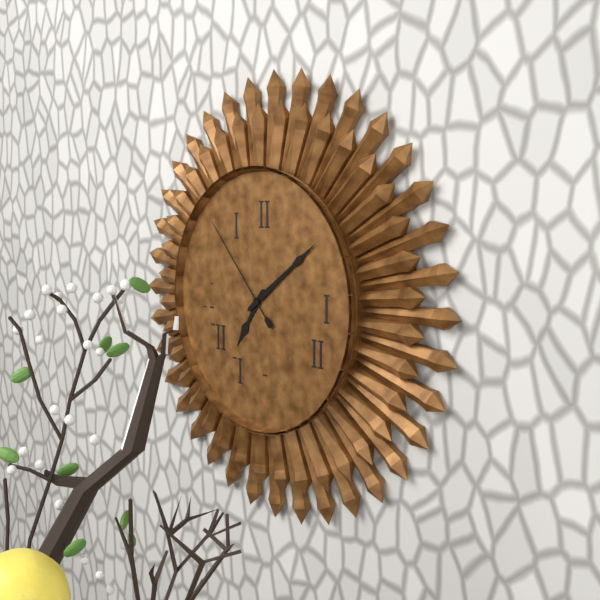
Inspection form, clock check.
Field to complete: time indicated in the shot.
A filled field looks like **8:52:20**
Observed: **7:09:53**
